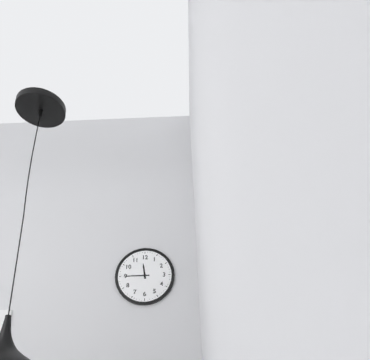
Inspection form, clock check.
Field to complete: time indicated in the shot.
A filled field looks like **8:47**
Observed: **11:45**
